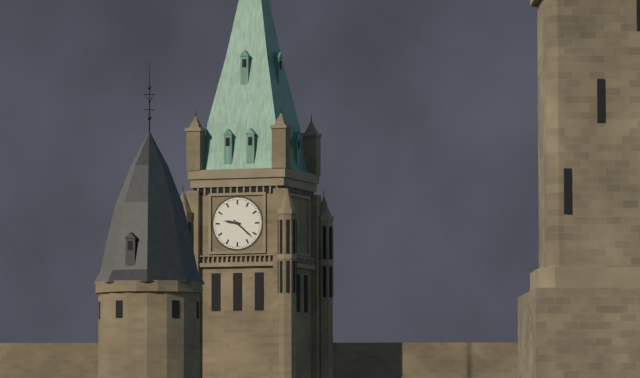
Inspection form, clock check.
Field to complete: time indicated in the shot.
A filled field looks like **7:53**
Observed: **9:22**
